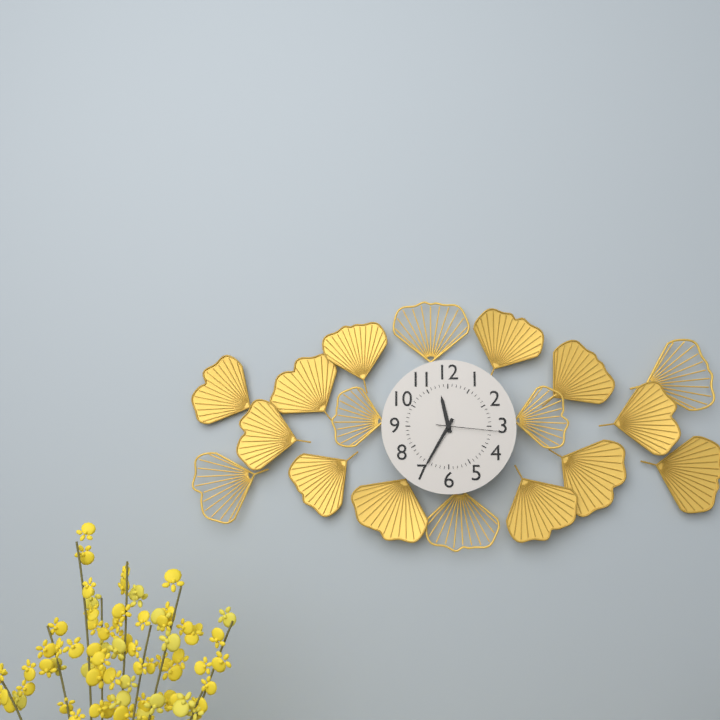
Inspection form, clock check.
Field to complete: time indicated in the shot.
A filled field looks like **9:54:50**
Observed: **11:35:16**
